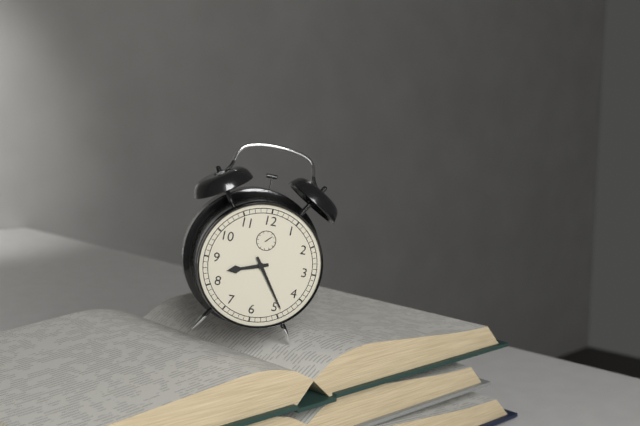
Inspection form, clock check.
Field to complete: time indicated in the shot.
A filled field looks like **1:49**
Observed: **8:24**
